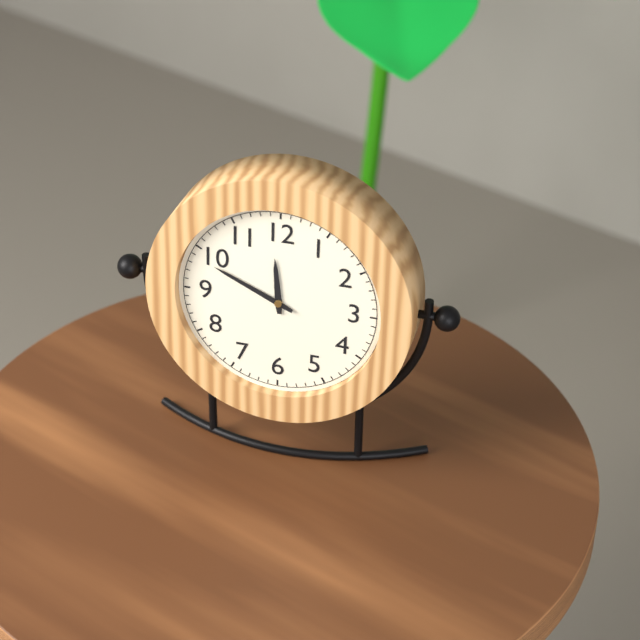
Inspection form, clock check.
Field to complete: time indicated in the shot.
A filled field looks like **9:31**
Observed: **11:49**
